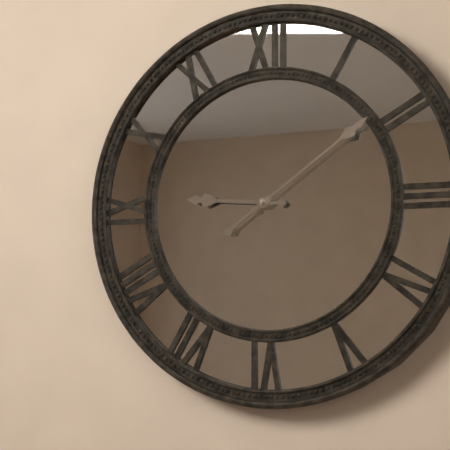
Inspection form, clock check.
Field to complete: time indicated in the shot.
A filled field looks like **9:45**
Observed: **9:09**
